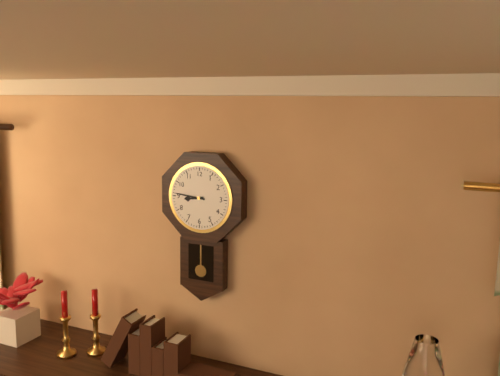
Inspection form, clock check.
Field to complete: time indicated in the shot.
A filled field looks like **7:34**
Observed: **8:46**
